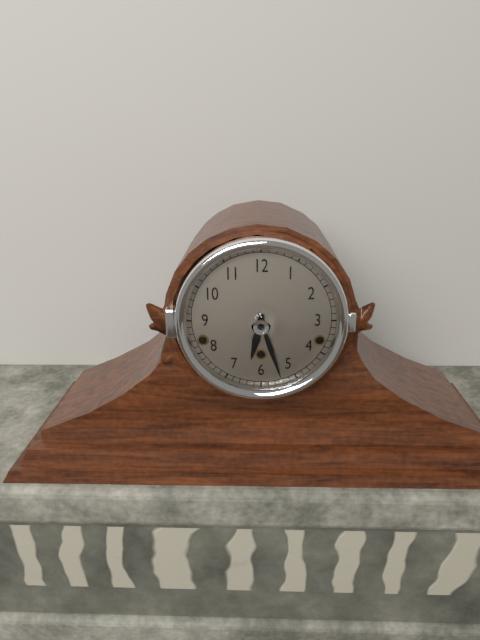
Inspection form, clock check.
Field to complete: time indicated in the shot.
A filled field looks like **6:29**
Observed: **6:27**
